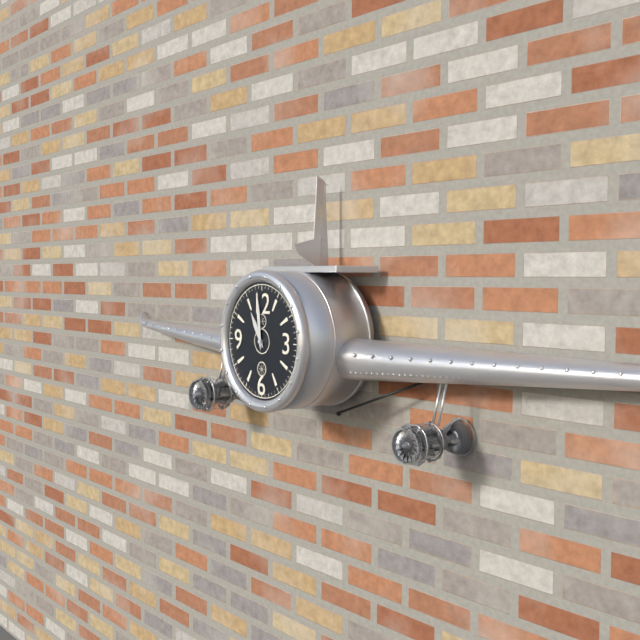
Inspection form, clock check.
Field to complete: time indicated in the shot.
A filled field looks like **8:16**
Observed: **10:59**
